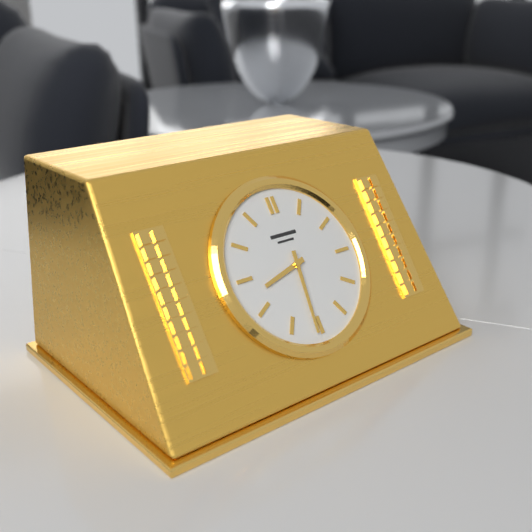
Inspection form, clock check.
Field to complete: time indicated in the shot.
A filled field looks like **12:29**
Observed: **8:31**
